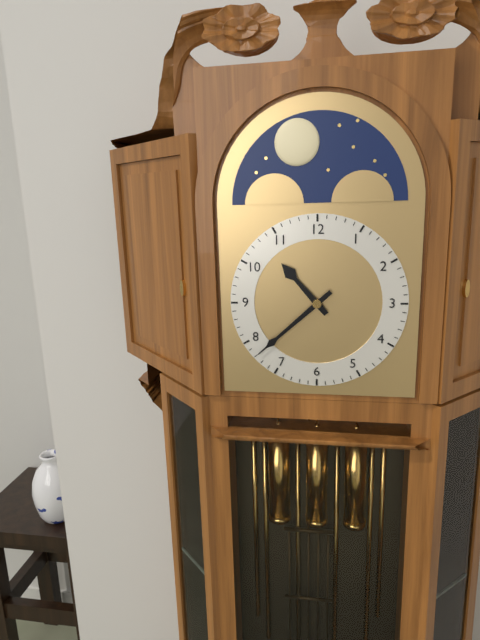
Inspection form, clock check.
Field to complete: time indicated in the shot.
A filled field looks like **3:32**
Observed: **10:38**
